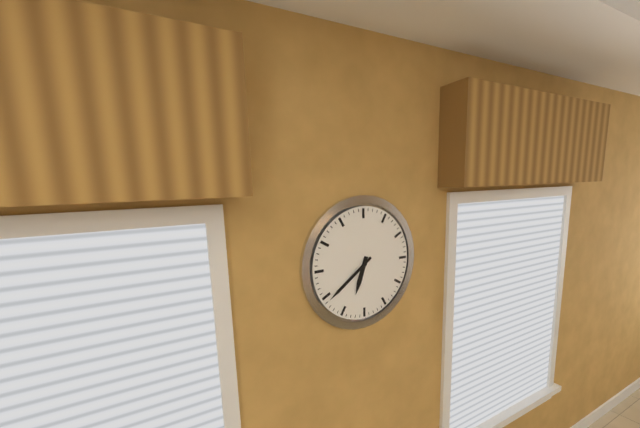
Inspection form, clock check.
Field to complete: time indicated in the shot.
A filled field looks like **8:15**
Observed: **6:39**
